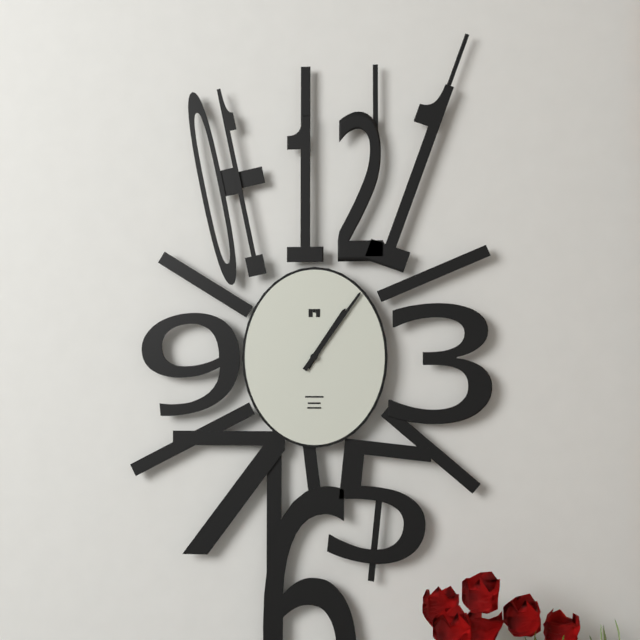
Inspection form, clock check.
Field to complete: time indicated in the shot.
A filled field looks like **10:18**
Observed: **1:06**
